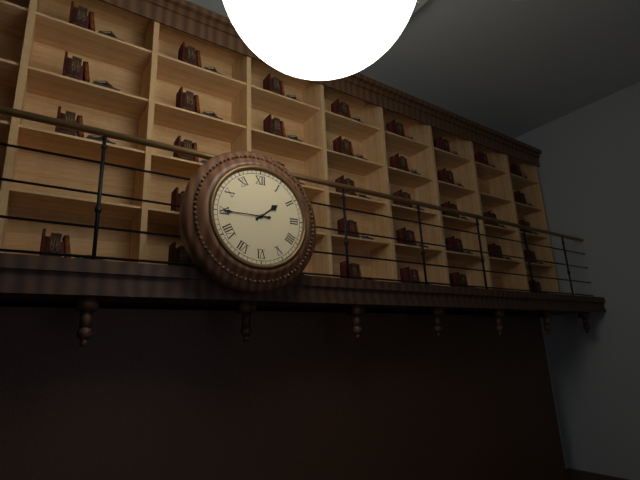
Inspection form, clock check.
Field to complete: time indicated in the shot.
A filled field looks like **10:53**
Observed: **1:45**
